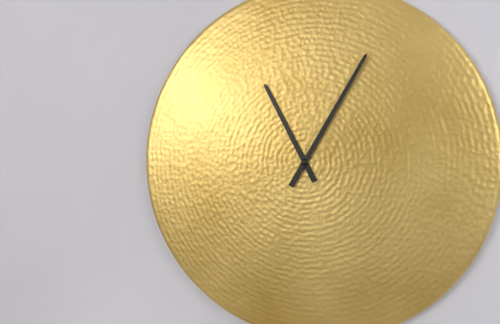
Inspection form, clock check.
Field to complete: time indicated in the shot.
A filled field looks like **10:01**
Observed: **11:05**
